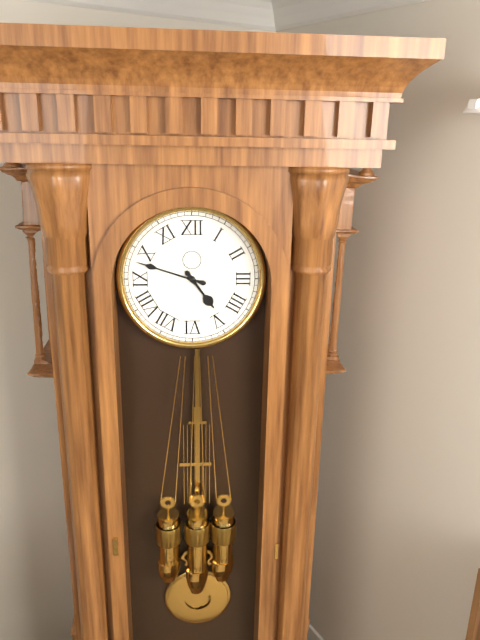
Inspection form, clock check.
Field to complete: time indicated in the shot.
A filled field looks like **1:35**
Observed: **4:48**
